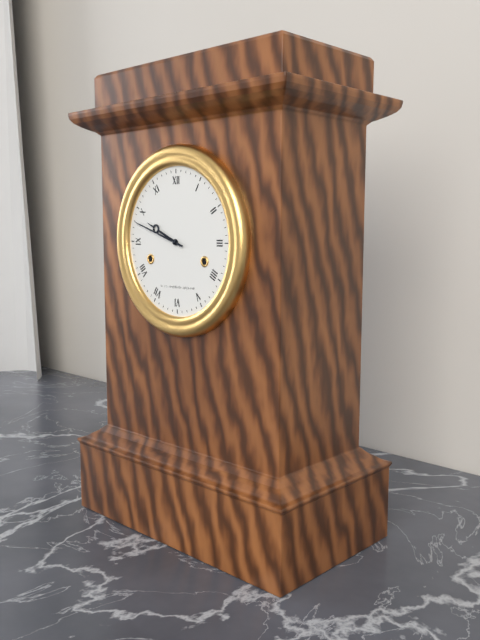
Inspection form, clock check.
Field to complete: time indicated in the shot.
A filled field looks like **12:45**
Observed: **9:48**
